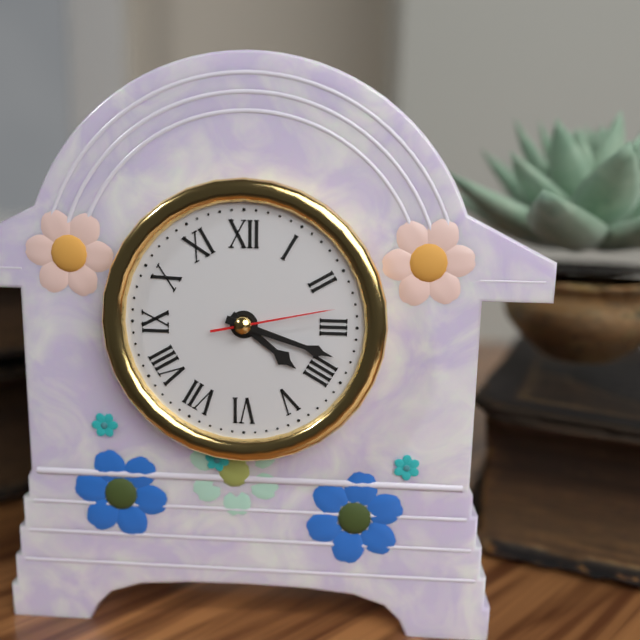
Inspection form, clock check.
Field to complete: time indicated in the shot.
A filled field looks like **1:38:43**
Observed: **4:18:13**
